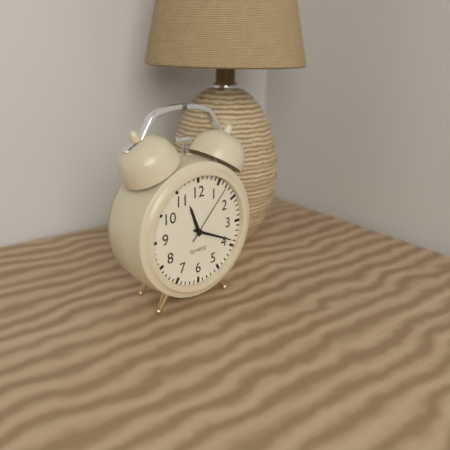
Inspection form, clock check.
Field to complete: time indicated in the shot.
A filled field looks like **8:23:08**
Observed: **11:19:07**
